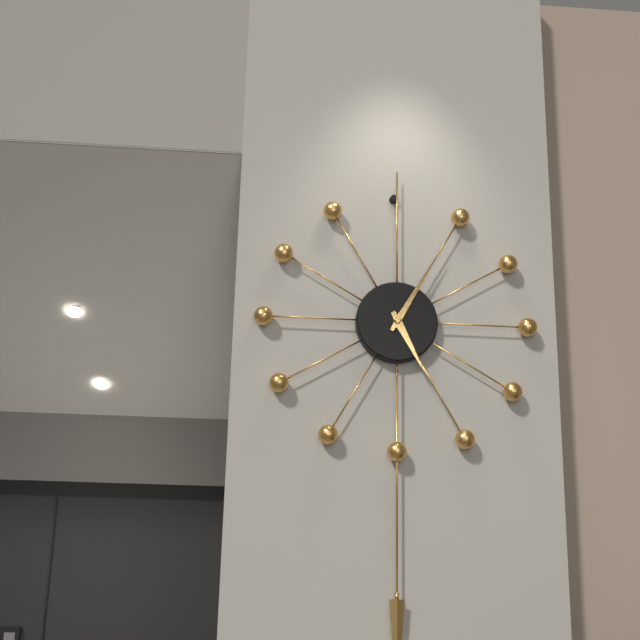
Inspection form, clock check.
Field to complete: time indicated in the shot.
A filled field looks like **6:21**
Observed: **5:05**
